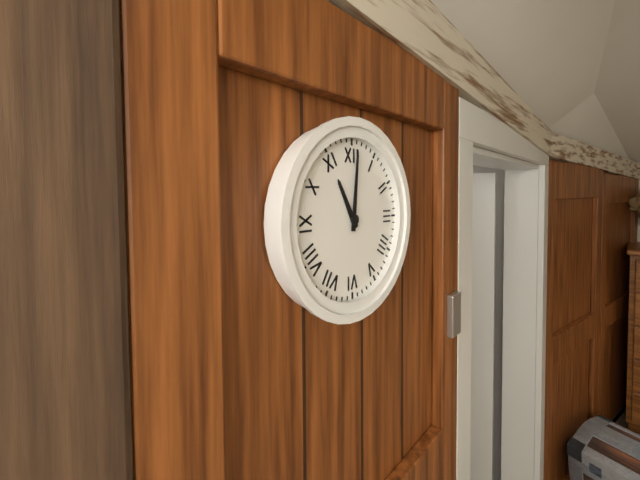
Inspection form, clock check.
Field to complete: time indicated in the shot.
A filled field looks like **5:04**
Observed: **11:01**
